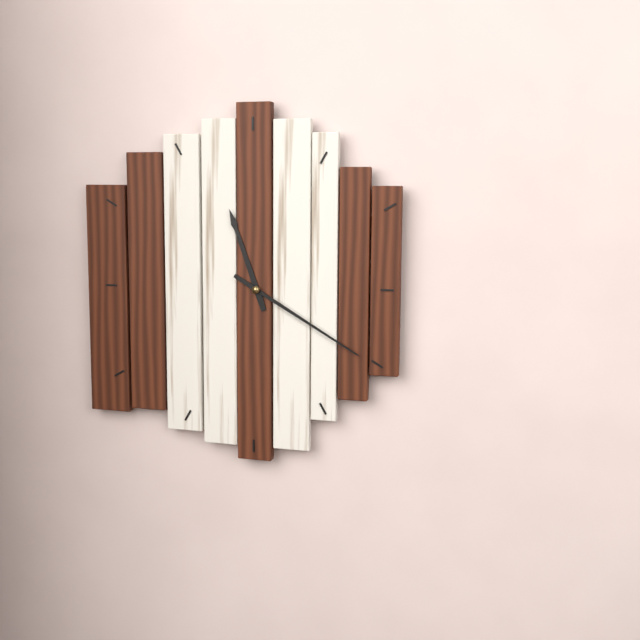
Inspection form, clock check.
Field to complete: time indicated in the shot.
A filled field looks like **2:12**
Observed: **11:20**
